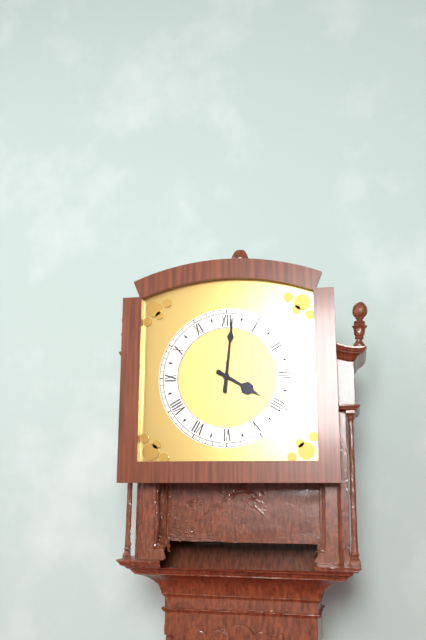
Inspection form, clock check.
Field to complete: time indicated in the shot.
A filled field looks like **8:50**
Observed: **4:01**
